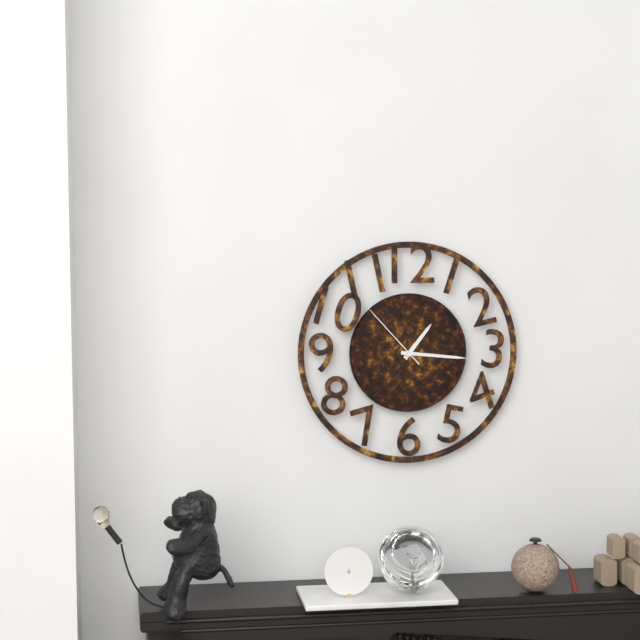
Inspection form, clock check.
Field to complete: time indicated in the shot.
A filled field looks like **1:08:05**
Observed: **1:16:53**
